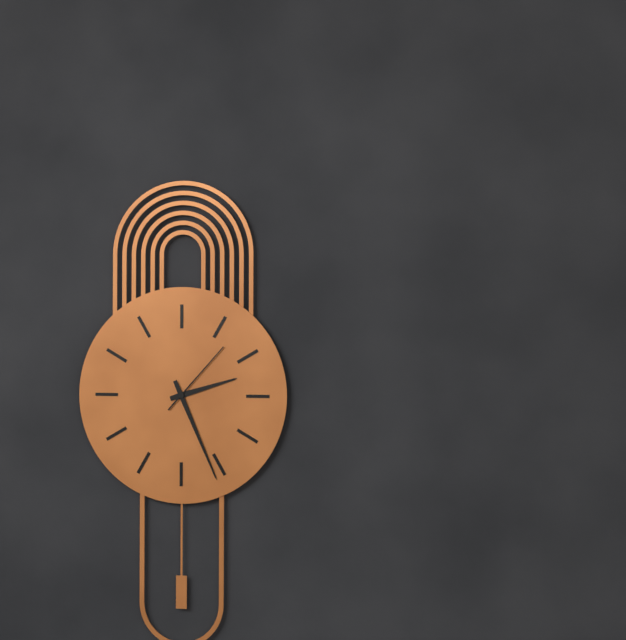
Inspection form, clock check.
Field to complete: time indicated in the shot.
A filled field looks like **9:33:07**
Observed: **2:26:07**
